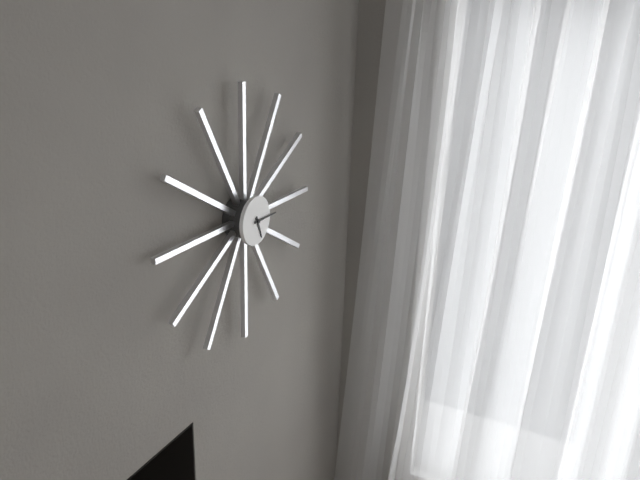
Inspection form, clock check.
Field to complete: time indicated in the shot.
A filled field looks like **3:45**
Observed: **5:15**
